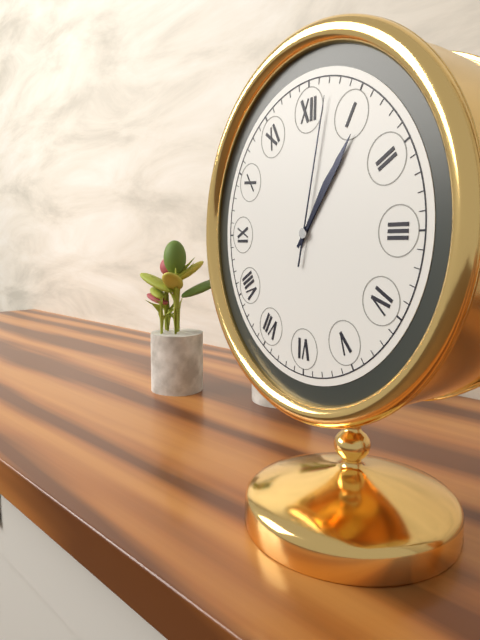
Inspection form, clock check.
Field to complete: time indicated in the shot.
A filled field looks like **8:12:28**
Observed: **1:06:02**
